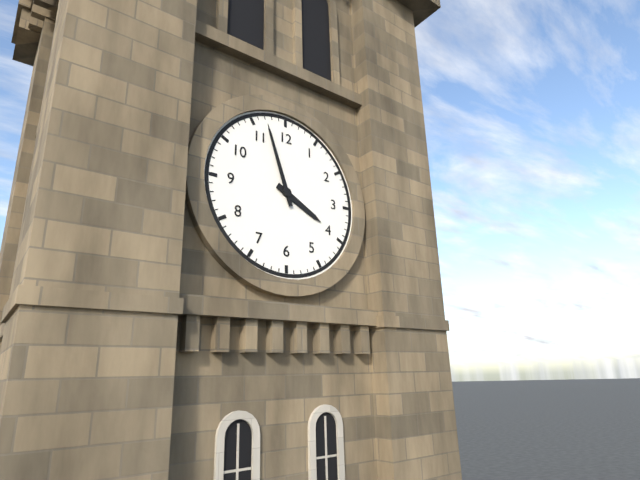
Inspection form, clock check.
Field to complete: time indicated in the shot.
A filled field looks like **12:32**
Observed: **3:57**
